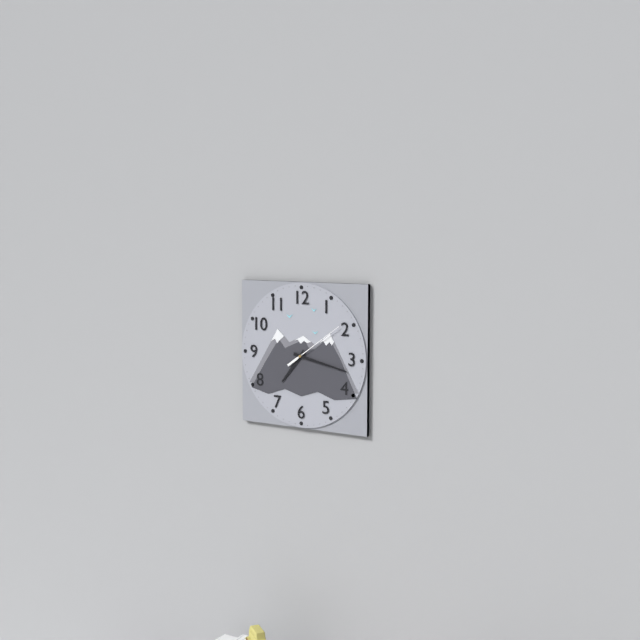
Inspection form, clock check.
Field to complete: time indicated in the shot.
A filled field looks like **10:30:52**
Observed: **7:17:09**
